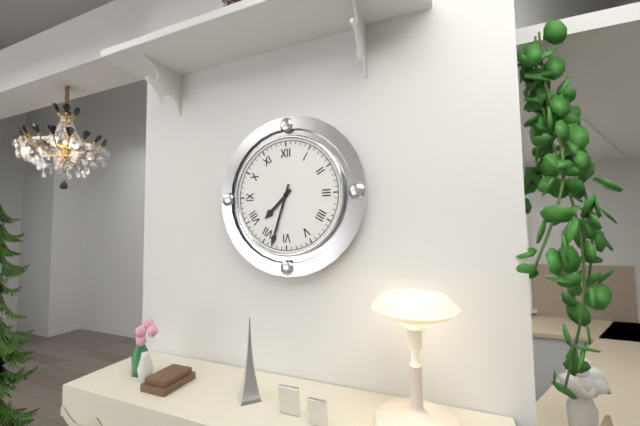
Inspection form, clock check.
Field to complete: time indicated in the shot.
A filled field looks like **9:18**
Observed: **7:33**
